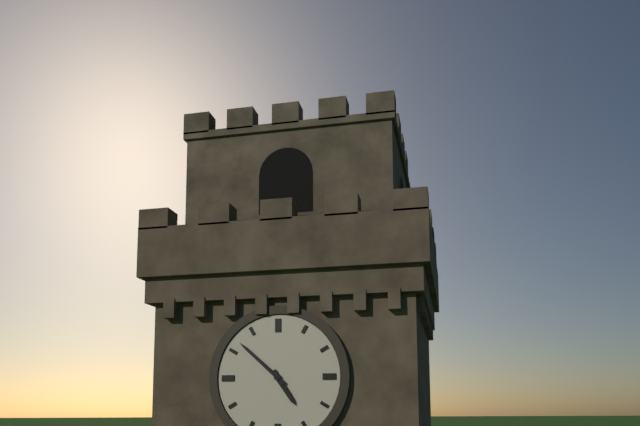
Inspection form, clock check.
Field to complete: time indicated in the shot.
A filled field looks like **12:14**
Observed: **4:52**
